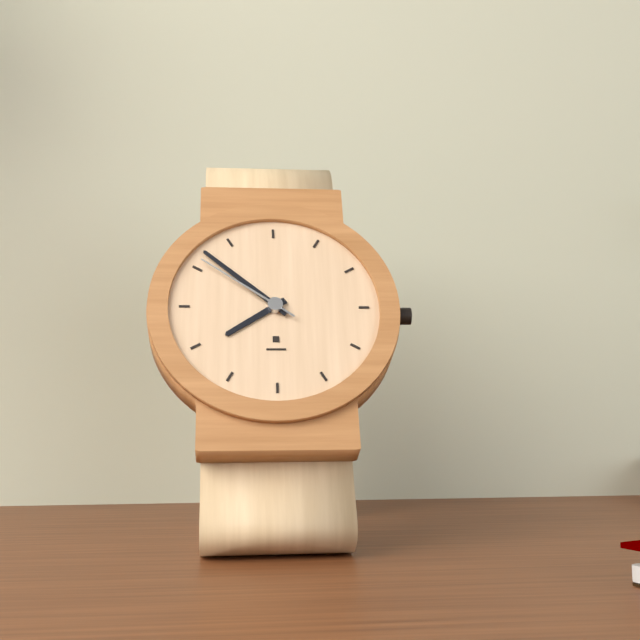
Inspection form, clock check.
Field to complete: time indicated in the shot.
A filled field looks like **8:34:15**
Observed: **7:52:51**
